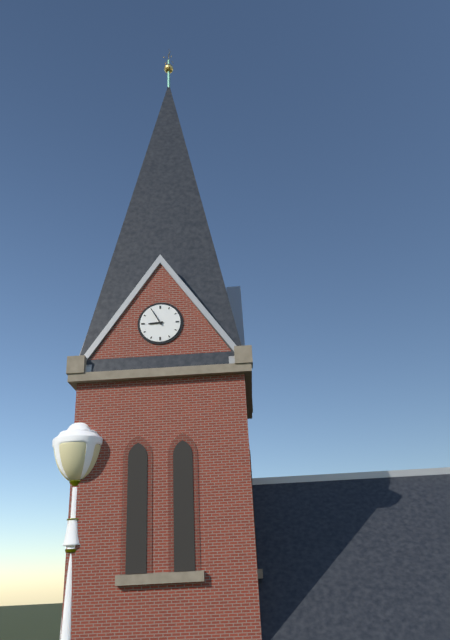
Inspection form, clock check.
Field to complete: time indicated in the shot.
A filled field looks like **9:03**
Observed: **8:55**
